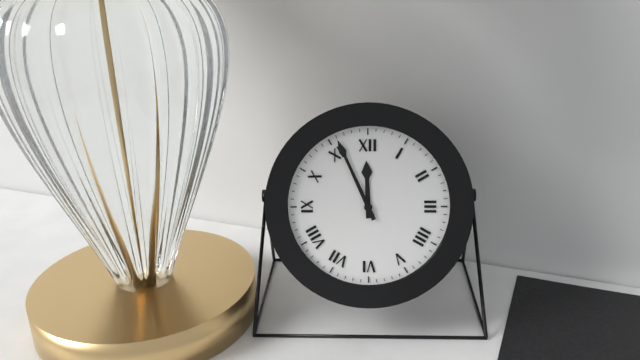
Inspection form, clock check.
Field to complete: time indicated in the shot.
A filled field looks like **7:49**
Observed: **11:56**
